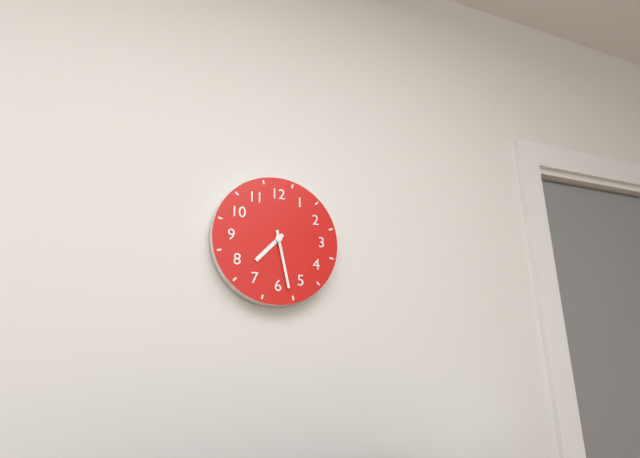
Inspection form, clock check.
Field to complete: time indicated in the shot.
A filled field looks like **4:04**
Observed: **7:28**
